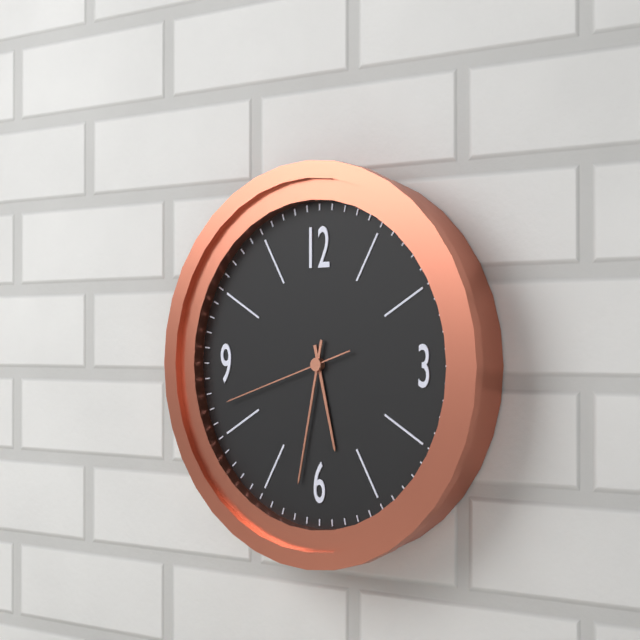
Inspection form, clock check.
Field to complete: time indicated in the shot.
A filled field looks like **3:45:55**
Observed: **5:32:42**
